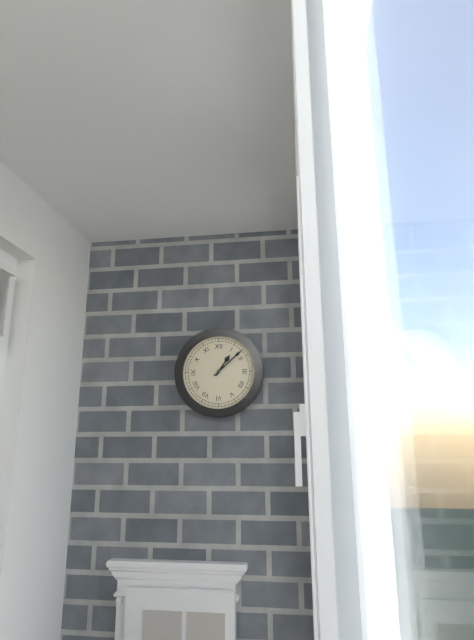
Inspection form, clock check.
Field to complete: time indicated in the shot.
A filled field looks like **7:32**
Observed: **1:08**
